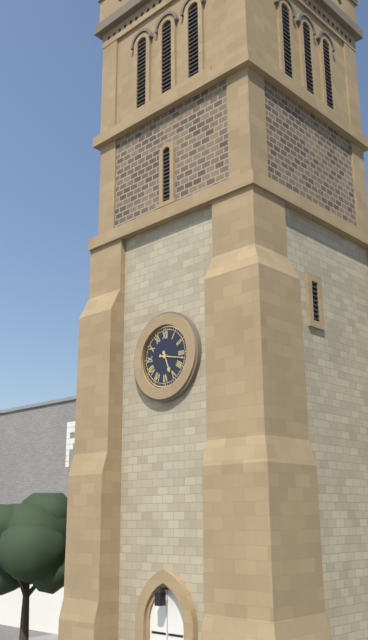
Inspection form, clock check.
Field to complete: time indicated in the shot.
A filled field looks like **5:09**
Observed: **5:17**
